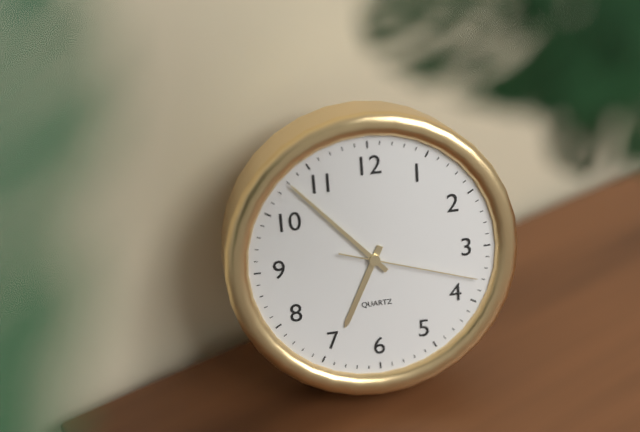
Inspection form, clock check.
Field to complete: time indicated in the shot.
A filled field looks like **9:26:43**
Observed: **6:53:18**
